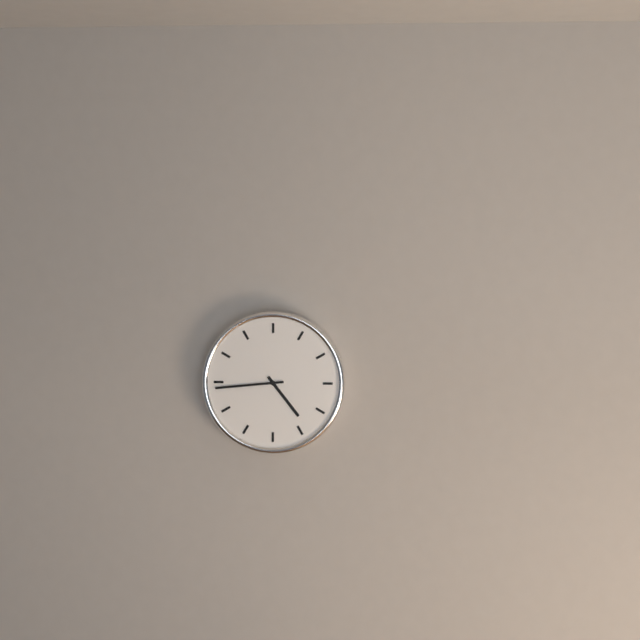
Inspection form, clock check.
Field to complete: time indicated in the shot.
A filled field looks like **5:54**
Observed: **4:44**
